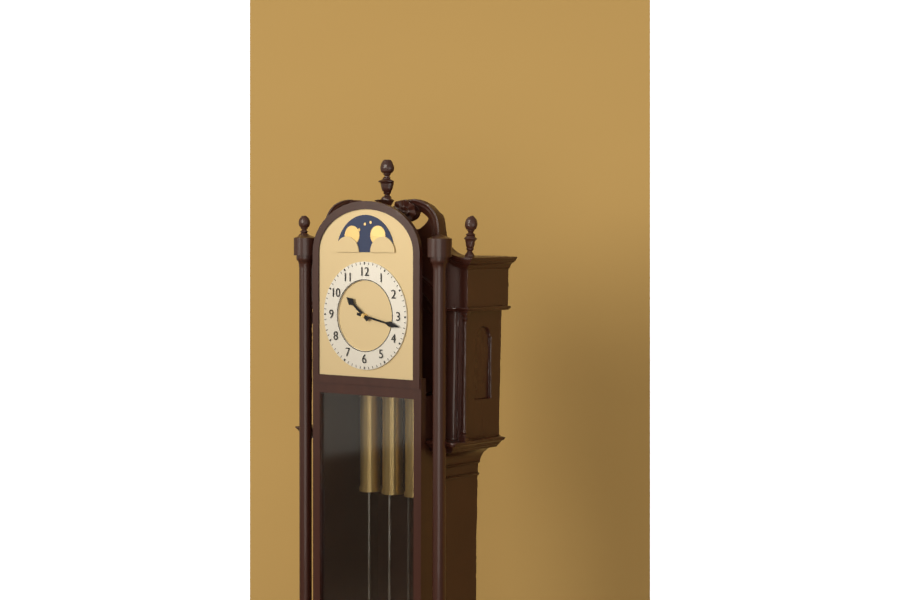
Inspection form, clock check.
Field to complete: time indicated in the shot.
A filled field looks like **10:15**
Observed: **10:17**
